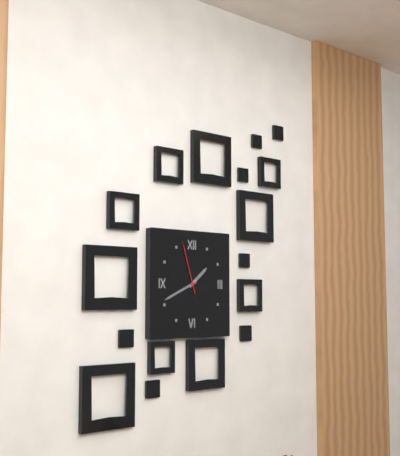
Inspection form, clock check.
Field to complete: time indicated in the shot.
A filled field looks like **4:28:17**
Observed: **1:41:57**
